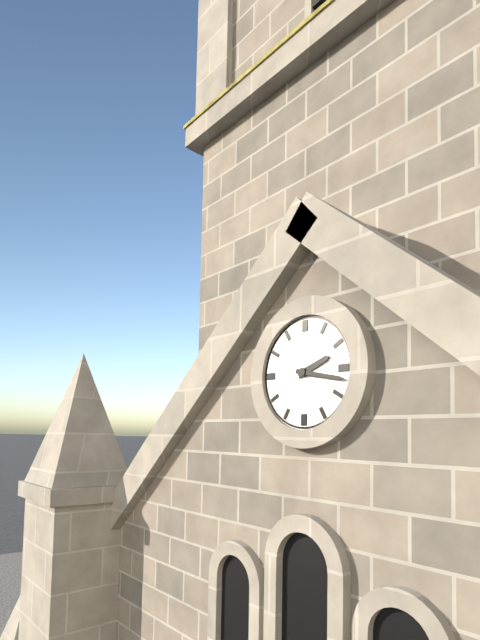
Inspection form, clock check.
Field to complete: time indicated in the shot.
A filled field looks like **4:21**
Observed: **2:17**
